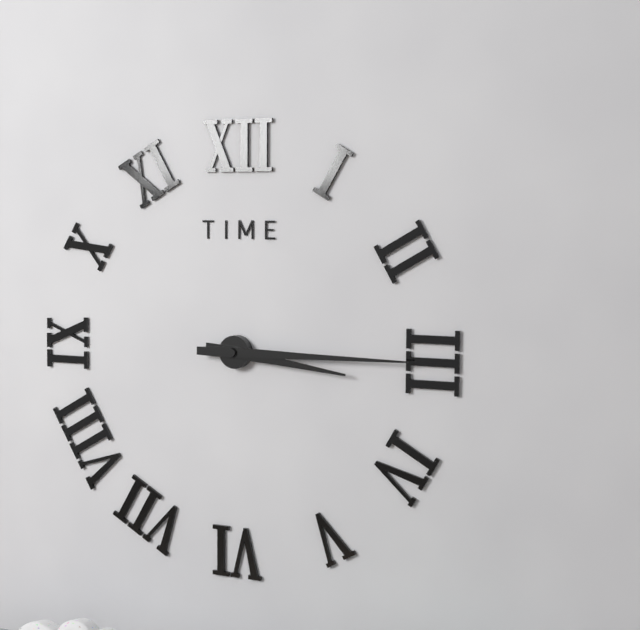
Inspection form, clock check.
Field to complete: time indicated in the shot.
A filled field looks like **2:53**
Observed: **3:15**
